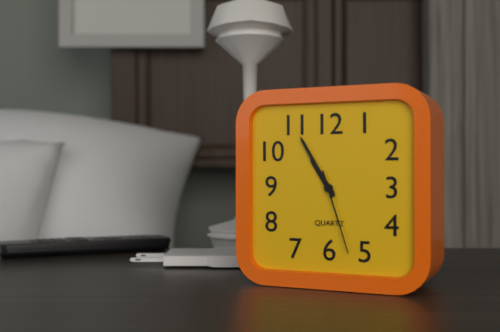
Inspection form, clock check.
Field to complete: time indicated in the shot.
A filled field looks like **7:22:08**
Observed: **10:55:27**
